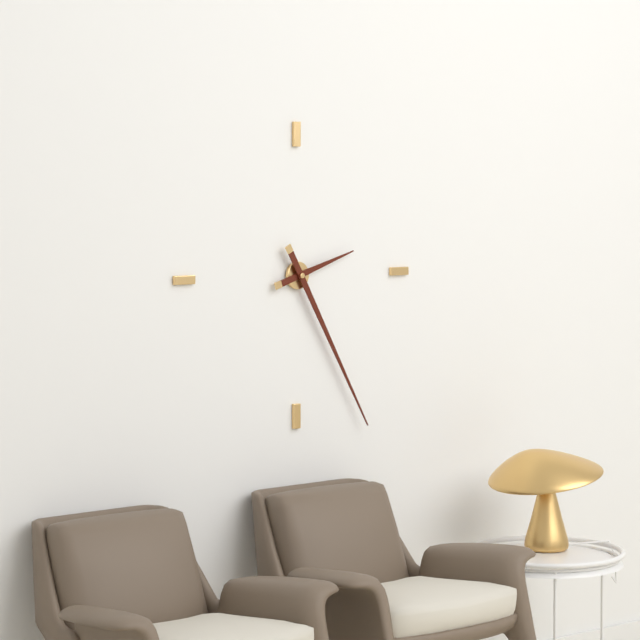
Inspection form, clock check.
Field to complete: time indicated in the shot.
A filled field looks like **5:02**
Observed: **2:25**
